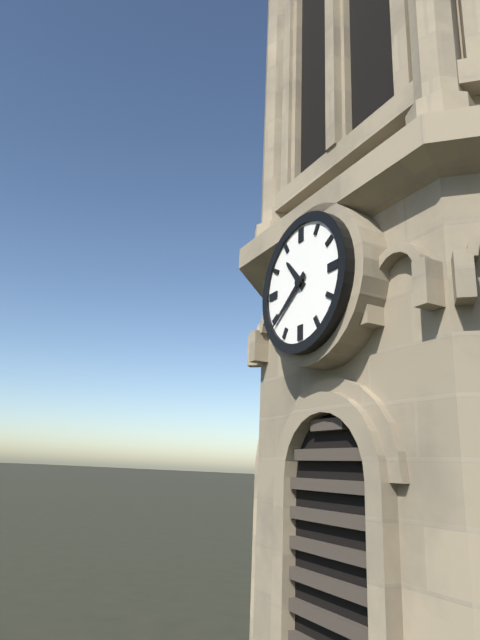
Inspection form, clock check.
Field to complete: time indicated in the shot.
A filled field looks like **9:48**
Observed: **10:39**
